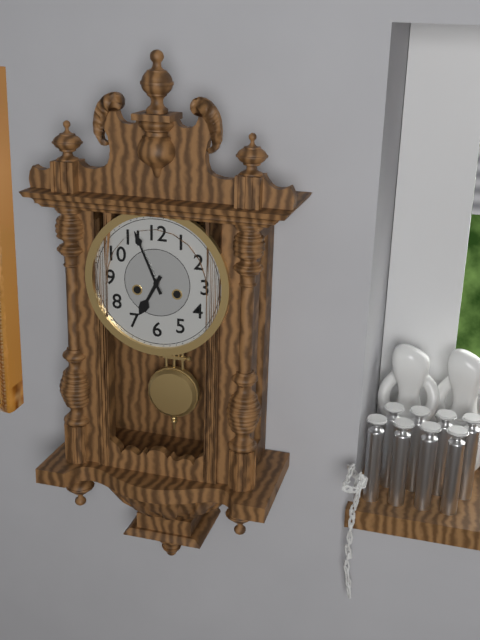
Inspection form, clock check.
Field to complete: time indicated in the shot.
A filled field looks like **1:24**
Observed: **6:56**
